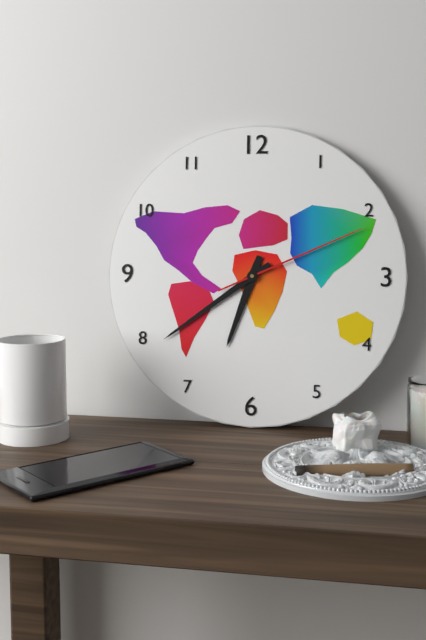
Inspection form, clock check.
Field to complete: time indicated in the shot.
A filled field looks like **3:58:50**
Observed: **6:39:11**
